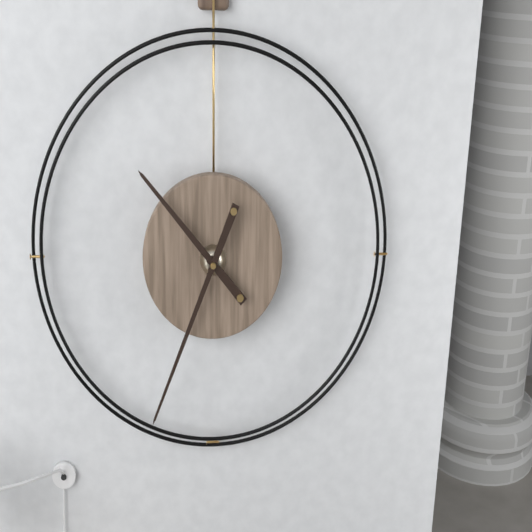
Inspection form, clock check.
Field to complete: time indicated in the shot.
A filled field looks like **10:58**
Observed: **10:34**
